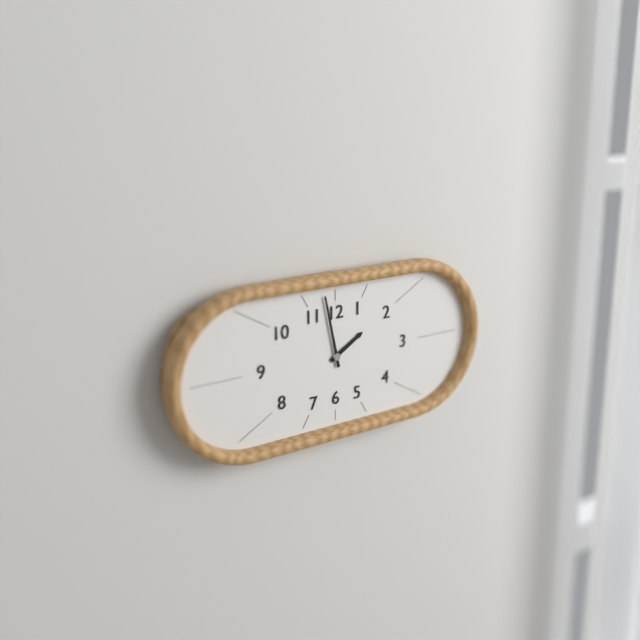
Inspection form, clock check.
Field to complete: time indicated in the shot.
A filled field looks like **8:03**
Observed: **1:58**
